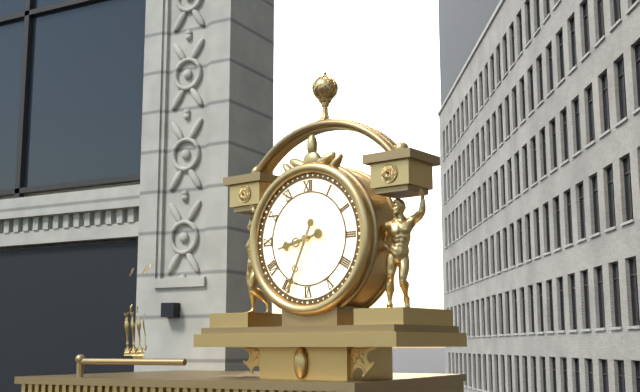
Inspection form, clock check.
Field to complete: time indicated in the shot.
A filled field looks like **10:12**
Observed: **8:34**
